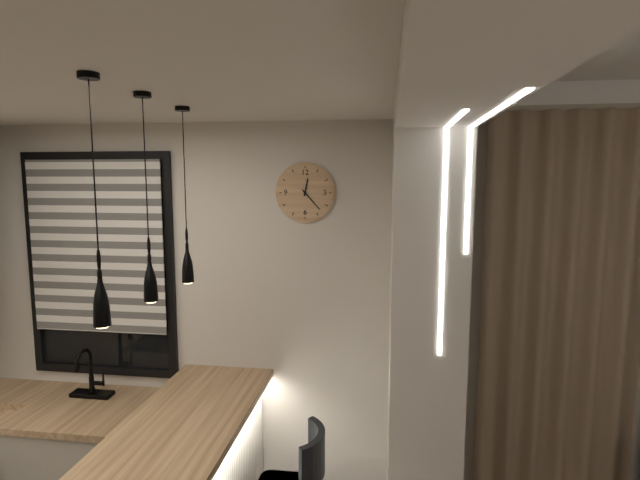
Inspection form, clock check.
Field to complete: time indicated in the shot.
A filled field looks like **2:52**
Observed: **12:23**
